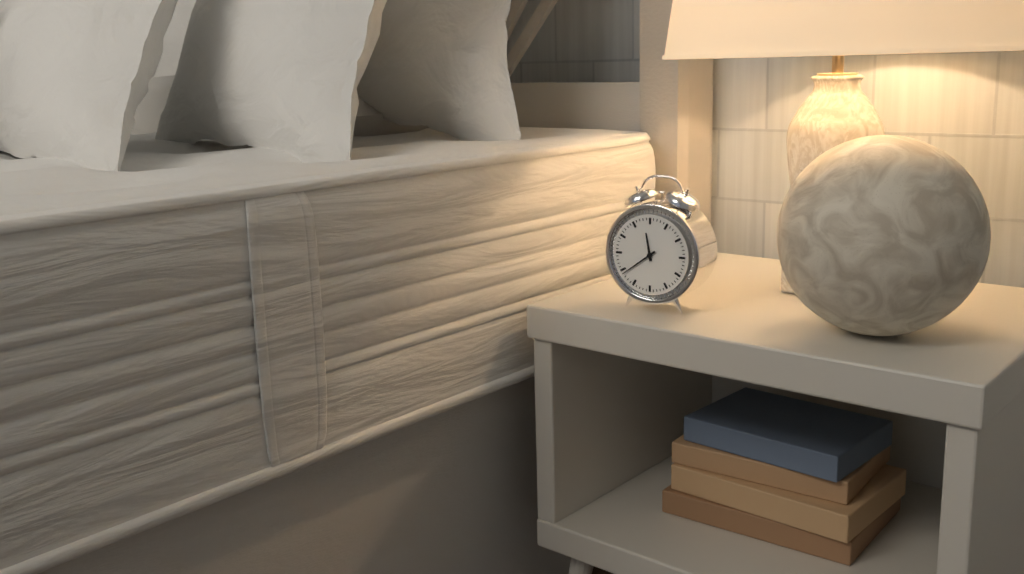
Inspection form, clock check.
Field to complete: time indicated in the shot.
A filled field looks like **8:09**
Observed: **11:39**
